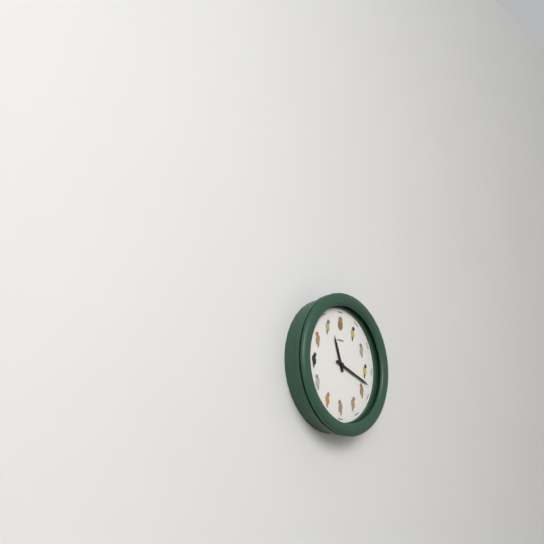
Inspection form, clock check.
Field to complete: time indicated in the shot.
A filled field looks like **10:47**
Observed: **11:18**
